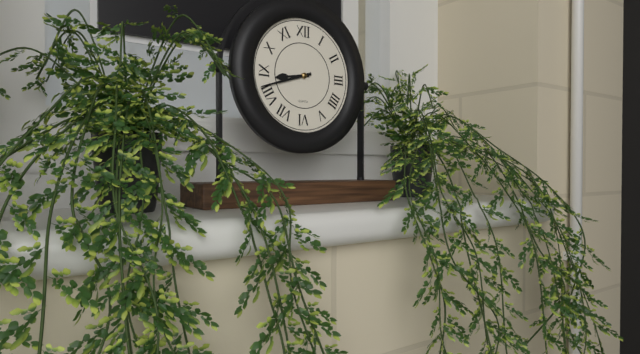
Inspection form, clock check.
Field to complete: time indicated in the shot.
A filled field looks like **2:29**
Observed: **8:42**
